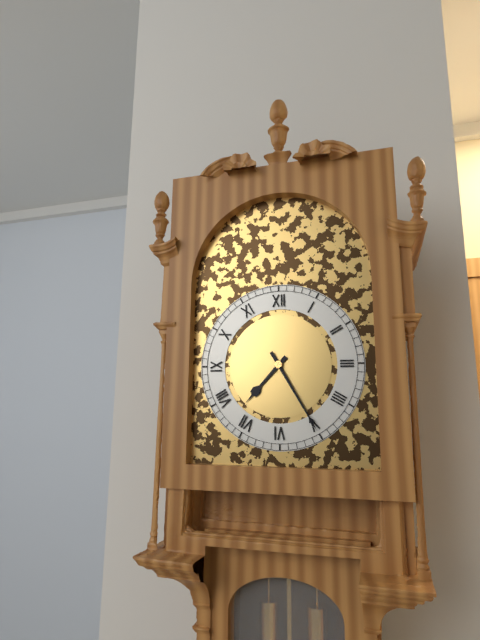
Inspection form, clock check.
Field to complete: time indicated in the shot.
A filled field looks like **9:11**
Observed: **7:25**
